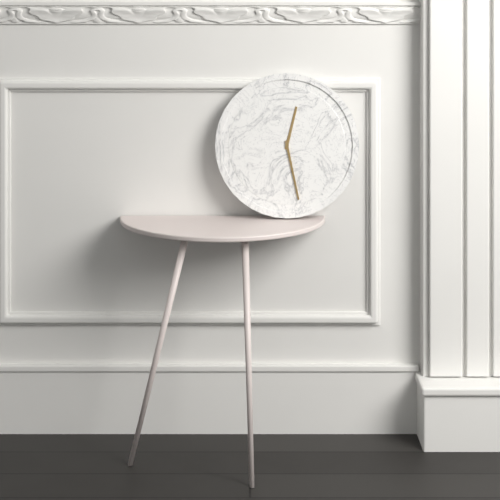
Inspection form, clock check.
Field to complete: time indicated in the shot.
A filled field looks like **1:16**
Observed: **12:28**
